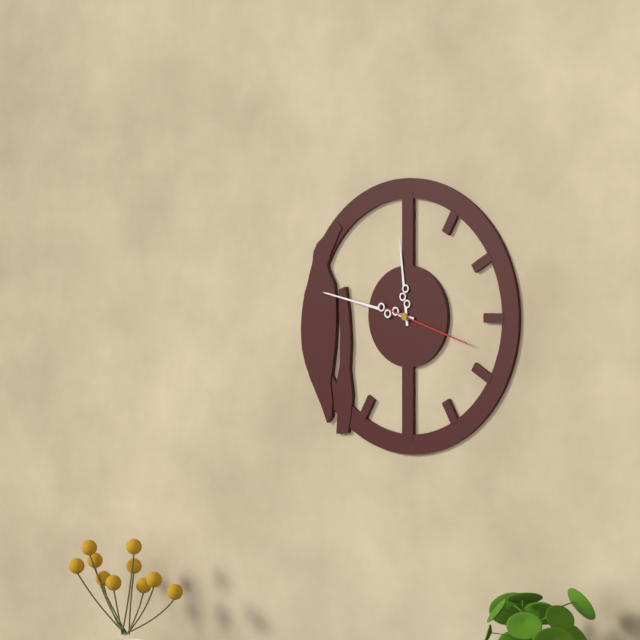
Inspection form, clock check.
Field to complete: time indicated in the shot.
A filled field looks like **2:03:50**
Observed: **11:47:18**
